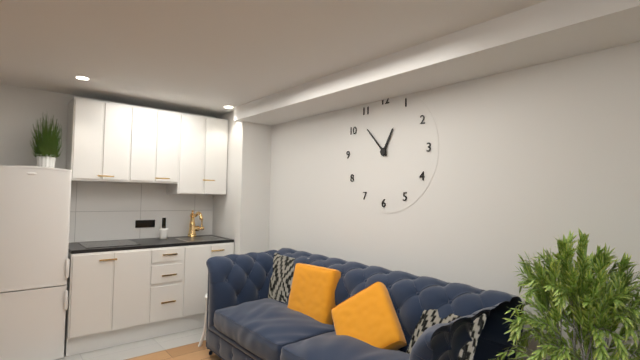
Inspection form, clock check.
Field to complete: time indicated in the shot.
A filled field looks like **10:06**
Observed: **12:53**
